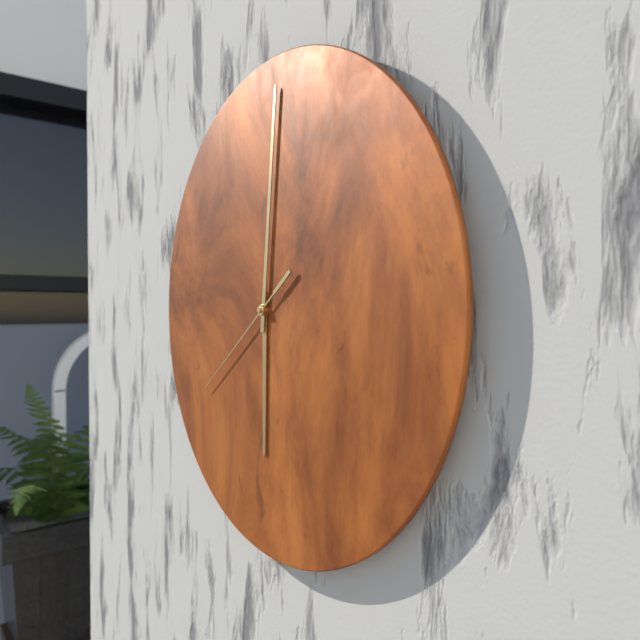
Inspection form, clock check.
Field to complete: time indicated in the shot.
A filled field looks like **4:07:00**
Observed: **6:01:39**
